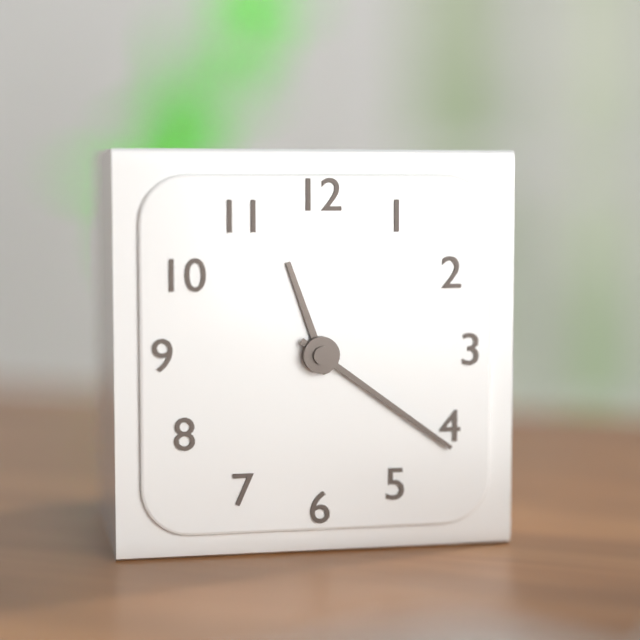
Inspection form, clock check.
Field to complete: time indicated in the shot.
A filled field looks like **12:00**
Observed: **11:21**
